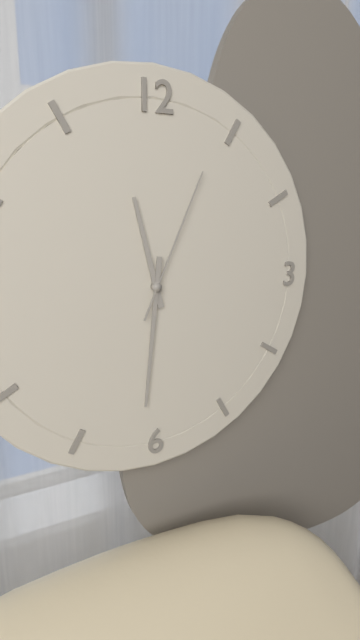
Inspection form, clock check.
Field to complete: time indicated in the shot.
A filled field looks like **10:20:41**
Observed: **11:31:04**
